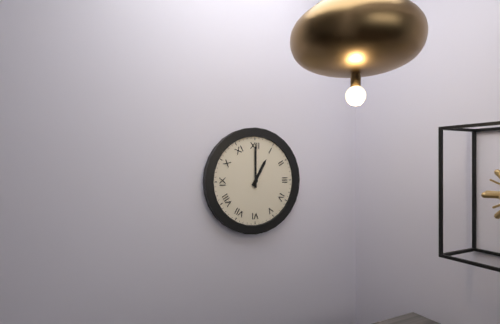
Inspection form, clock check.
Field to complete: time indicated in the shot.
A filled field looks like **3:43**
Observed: **1:00**
